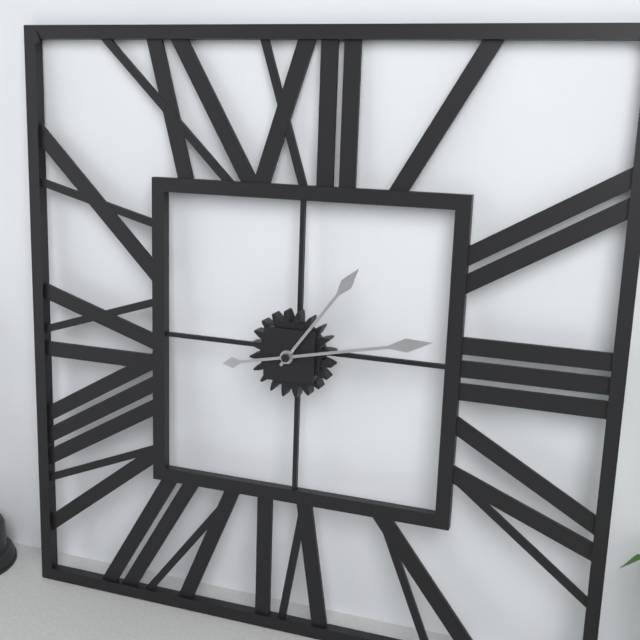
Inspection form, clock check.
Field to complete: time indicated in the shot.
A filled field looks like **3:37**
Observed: **1:13**
